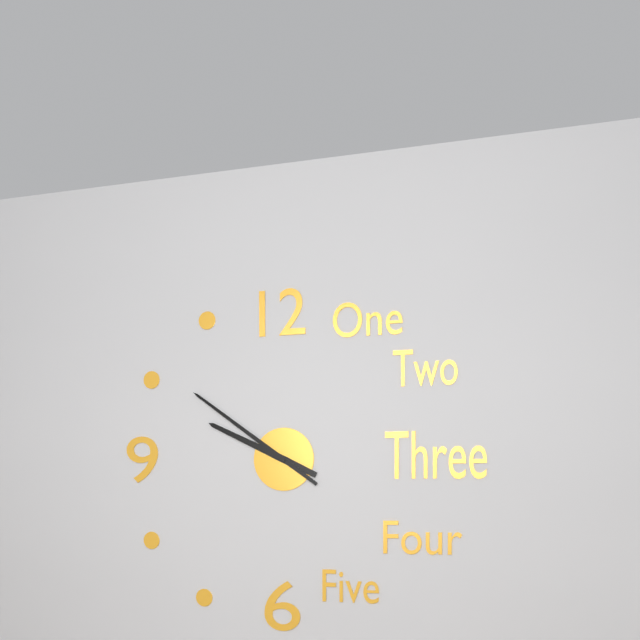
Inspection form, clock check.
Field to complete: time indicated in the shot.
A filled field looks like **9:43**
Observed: **9:51**
